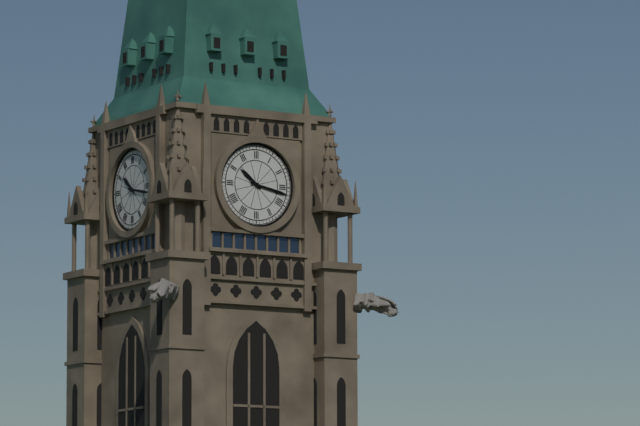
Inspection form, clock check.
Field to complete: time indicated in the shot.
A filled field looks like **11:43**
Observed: **10:17**
